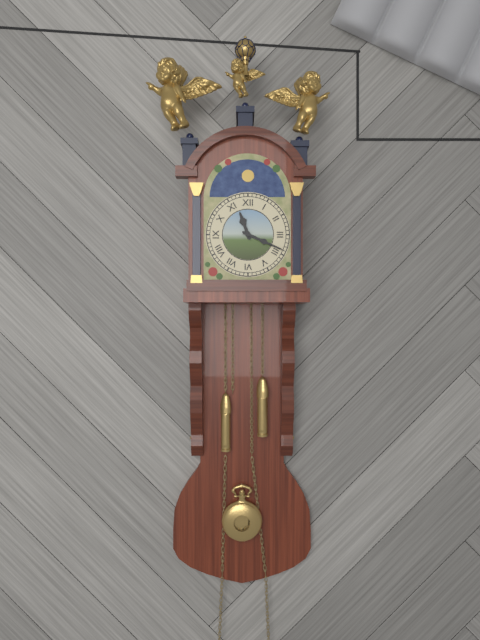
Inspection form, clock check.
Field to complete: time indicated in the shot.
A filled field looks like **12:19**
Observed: **11:19**
